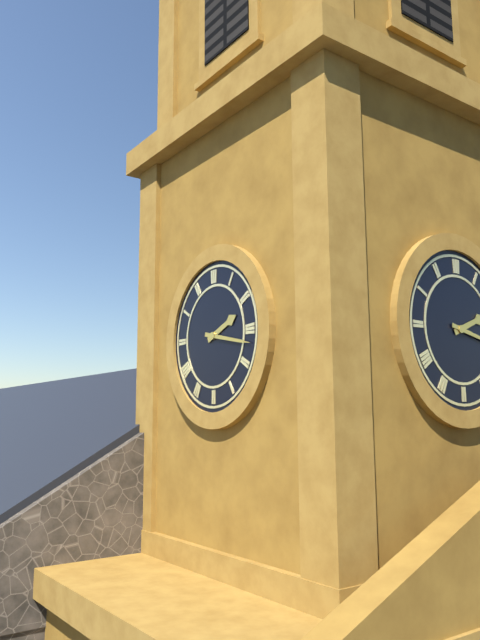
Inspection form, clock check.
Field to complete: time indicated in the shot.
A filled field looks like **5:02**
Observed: **2:17**
